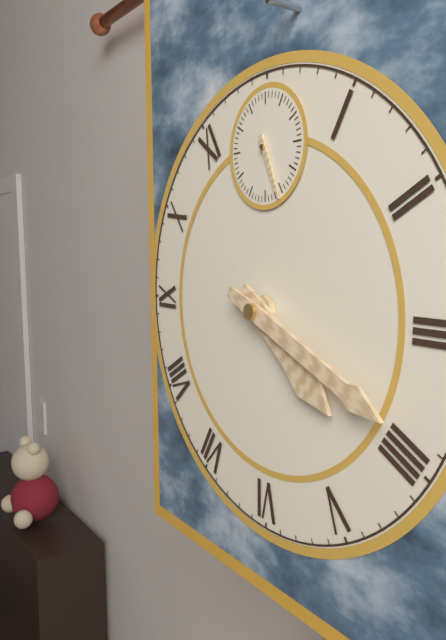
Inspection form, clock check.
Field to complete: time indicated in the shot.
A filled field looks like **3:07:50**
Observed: **4:19:26**
